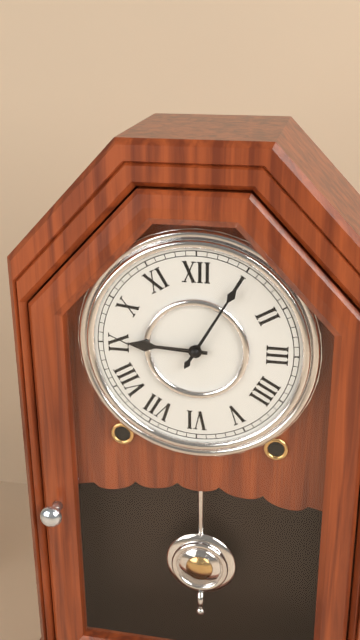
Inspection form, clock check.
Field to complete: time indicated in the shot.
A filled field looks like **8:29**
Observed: **9:05**
